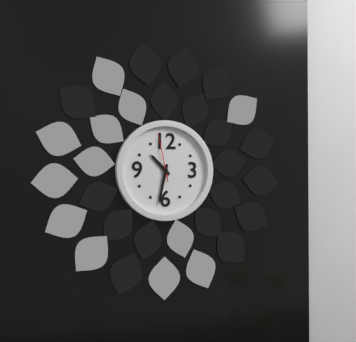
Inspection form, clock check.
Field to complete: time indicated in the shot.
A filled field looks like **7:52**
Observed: **10:32**
